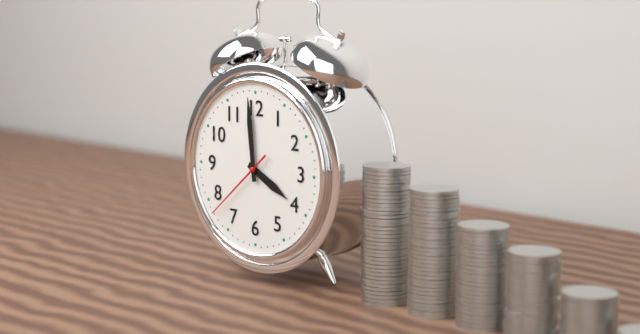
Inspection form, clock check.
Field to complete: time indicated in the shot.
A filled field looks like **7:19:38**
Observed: **3:59:38**
